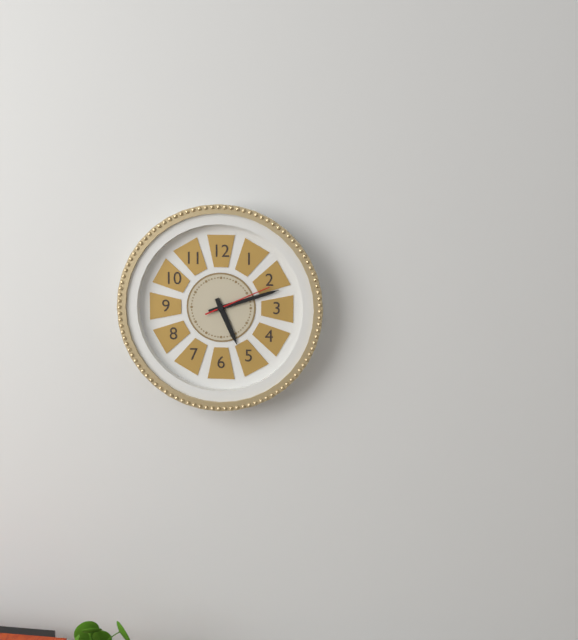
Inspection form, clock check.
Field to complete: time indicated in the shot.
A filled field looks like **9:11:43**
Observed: **5:12:11**
